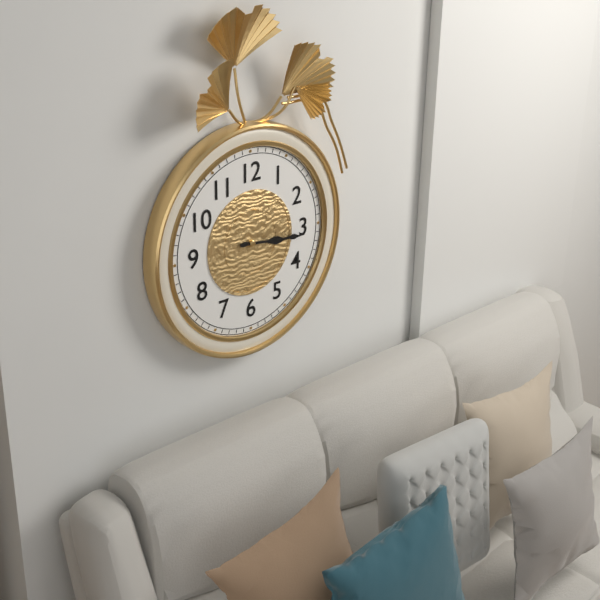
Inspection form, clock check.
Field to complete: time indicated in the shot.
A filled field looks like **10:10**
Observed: **3:16**
